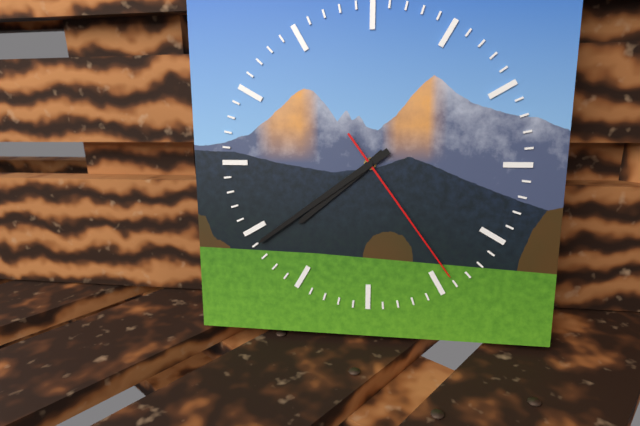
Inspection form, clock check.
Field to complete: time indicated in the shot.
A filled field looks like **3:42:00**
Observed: **7:39:24**
